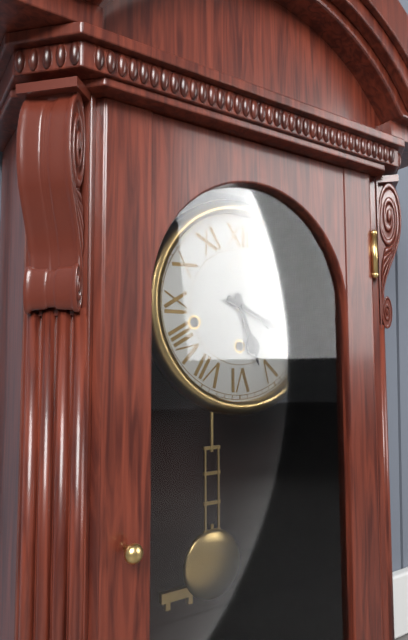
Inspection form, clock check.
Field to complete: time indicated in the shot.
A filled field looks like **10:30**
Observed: **5:19**
